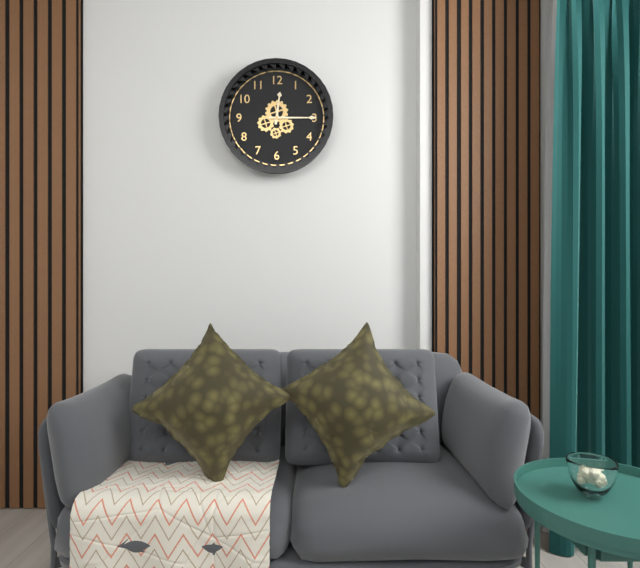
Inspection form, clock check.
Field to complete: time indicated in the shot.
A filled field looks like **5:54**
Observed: **12:15**
